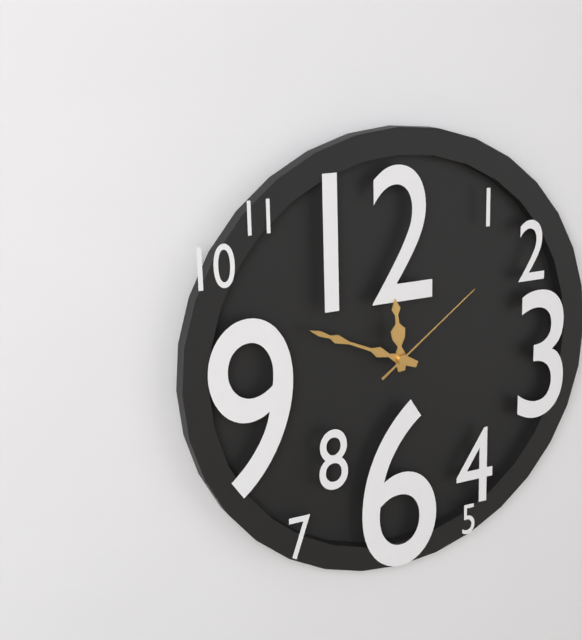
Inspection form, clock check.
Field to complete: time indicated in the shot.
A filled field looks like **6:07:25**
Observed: **11:49:09**
